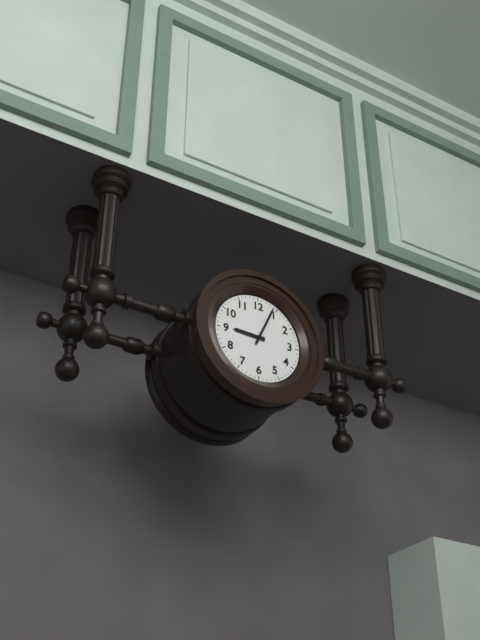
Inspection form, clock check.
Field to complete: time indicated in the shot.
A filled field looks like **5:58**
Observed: **9:04**
